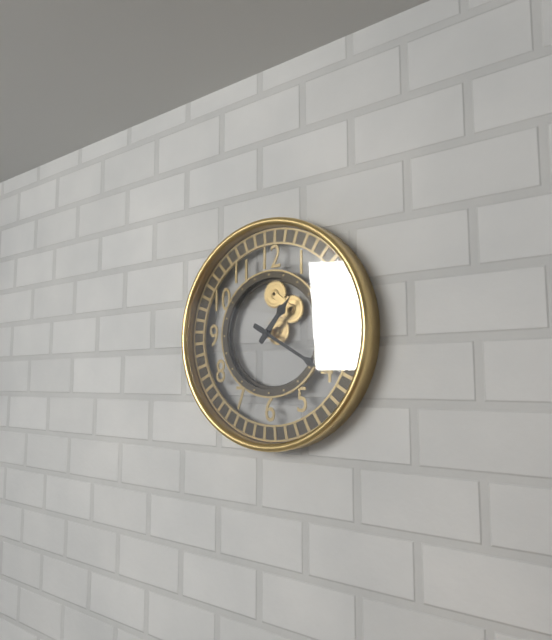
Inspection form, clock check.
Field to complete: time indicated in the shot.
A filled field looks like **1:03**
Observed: **1:20**
